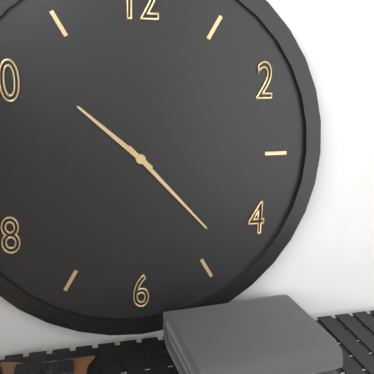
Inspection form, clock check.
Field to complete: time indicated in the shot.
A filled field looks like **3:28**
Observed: **10:23**
